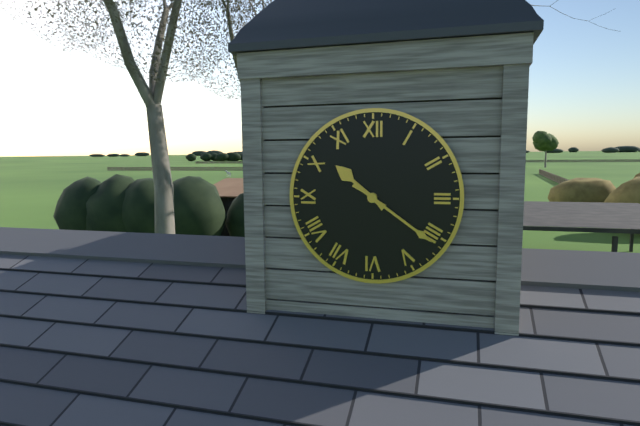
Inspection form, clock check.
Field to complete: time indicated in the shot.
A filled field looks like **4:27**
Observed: **10:21**
